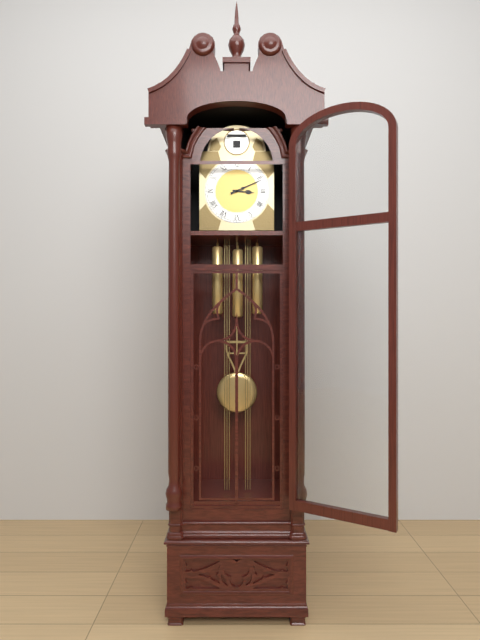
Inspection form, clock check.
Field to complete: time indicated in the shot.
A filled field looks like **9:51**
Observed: **3:11**
